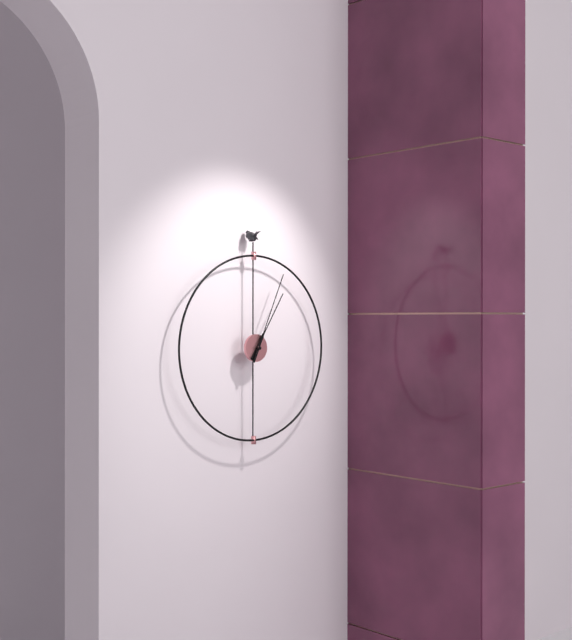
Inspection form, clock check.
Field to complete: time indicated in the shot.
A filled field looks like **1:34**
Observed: **1:04**
